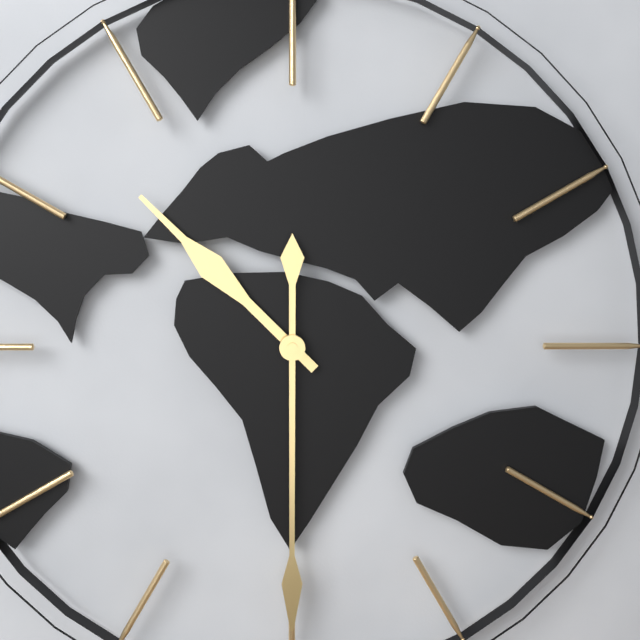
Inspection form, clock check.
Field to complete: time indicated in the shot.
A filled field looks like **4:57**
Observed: **10:30**
